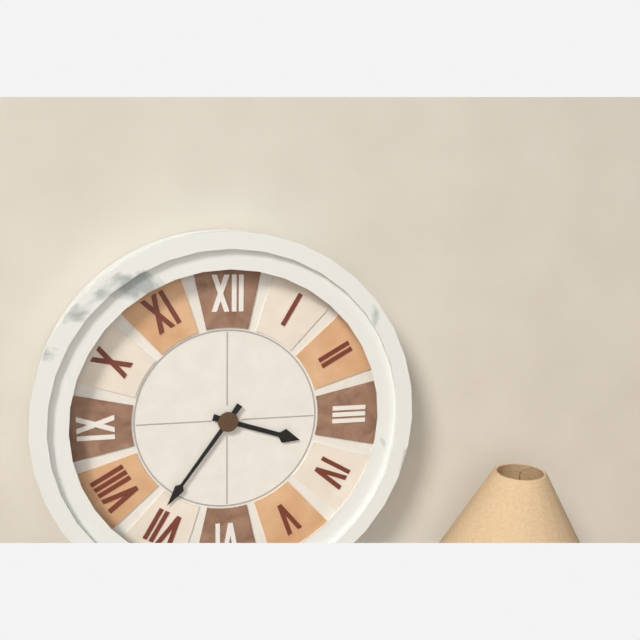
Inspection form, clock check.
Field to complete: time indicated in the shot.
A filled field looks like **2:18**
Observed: **3:36**
